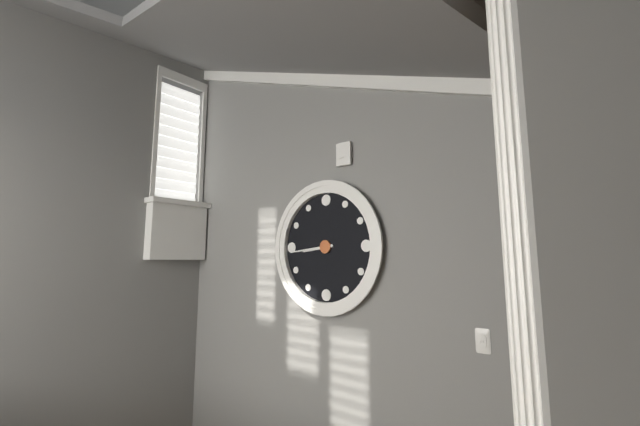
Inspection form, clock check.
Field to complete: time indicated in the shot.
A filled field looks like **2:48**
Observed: **8:44**
